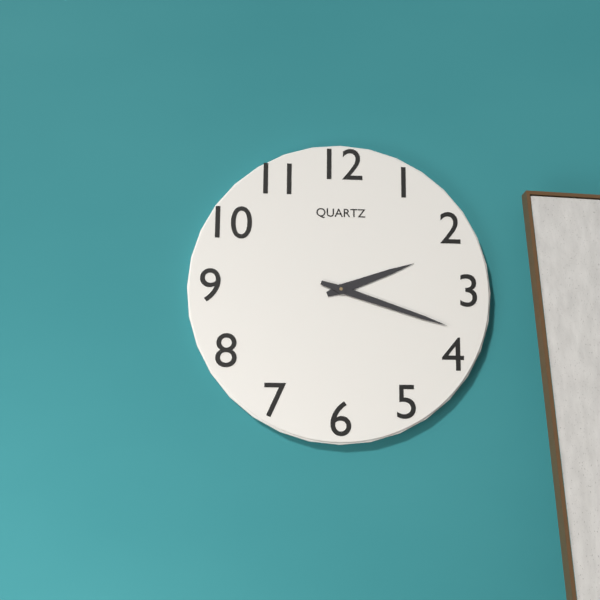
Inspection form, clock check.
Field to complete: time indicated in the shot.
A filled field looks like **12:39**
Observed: **2:18**
